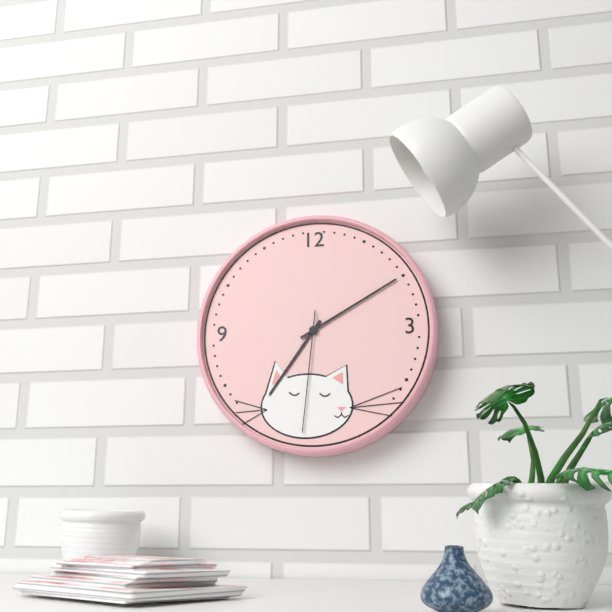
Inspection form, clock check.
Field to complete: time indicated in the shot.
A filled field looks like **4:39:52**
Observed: **7:10:31**
